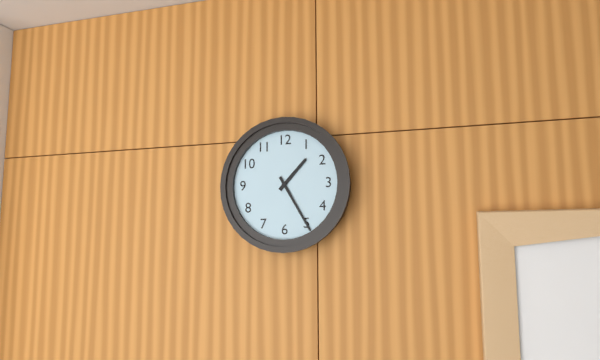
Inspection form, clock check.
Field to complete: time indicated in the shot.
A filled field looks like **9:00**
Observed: **1:25**
